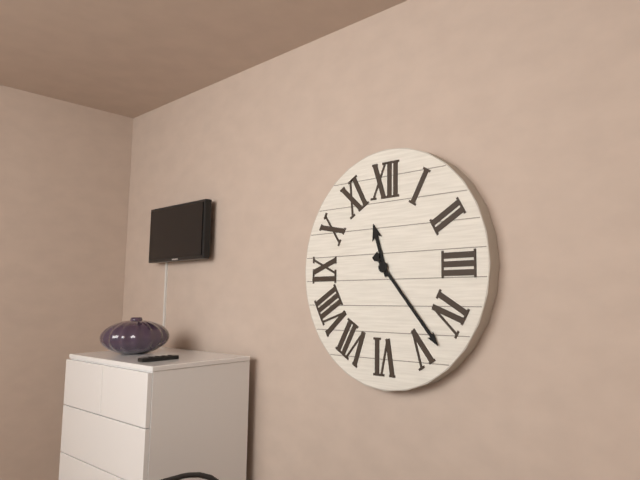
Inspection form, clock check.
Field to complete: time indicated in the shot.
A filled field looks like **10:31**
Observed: **11:23**
